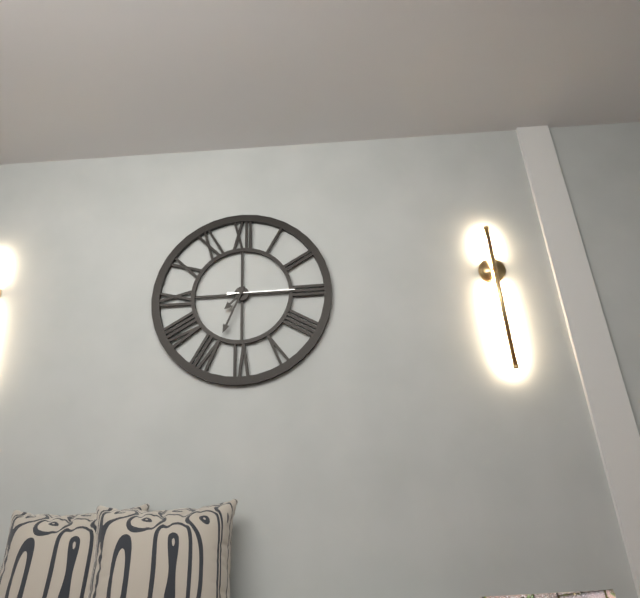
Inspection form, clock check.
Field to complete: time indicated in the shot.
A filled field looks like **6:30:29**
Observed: **7:34:15**
